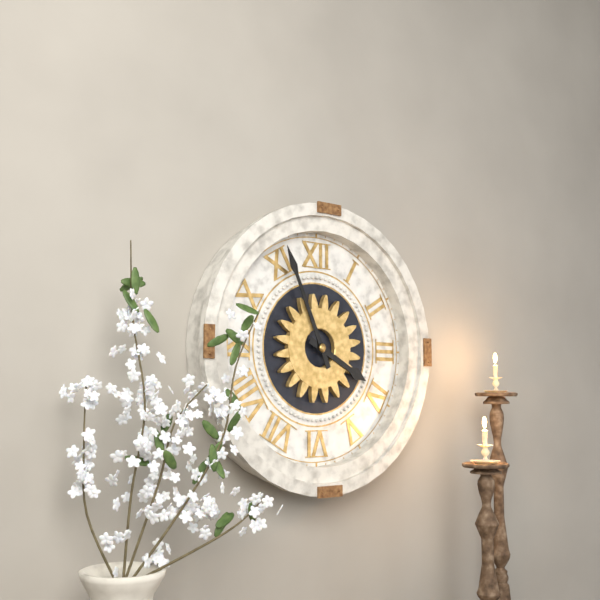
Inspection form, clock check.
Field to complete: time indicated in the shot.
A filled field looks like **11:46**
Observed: **3:56**
